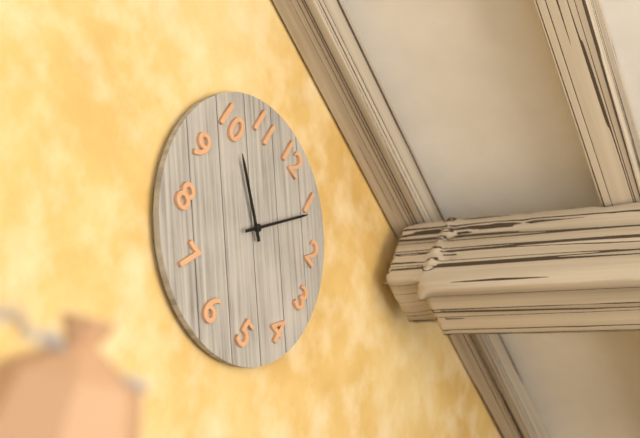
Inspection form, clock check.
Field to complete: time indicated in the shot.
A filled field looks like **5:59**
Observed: **10:06**
